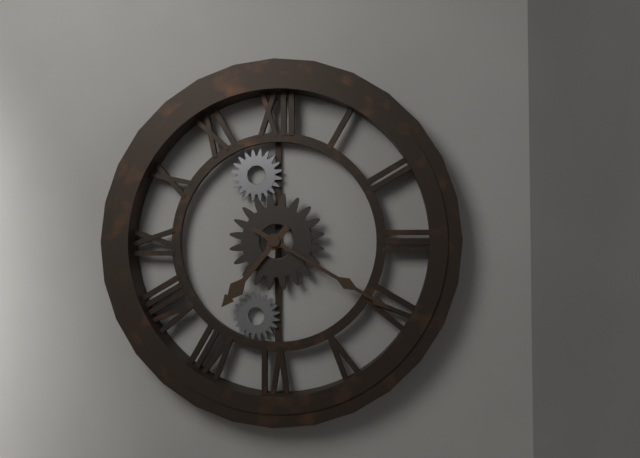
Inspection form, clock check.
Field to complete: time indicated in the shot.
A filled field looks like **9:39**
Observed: **7:20**
